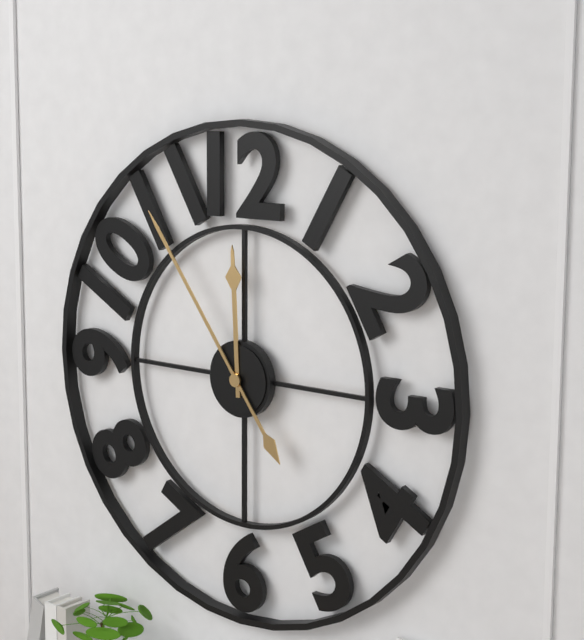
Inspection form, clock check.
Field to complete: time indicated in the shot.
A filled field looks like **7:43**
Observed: **11:54**
